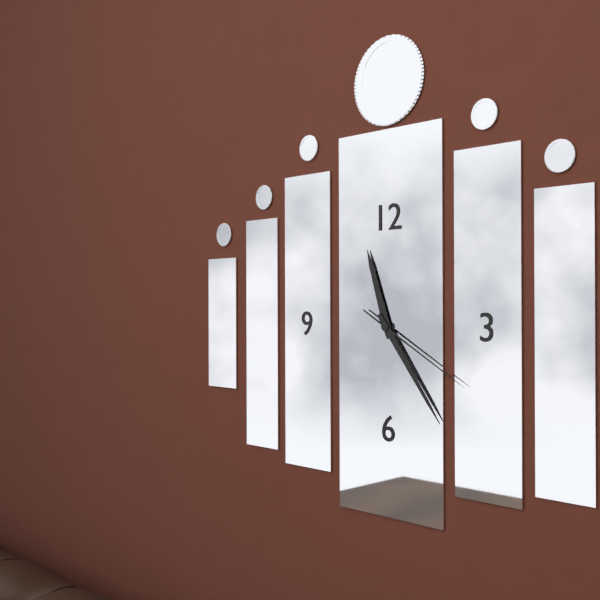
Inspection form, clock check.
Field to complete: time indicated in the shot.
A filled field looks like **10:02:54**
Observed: **11:24:20**
